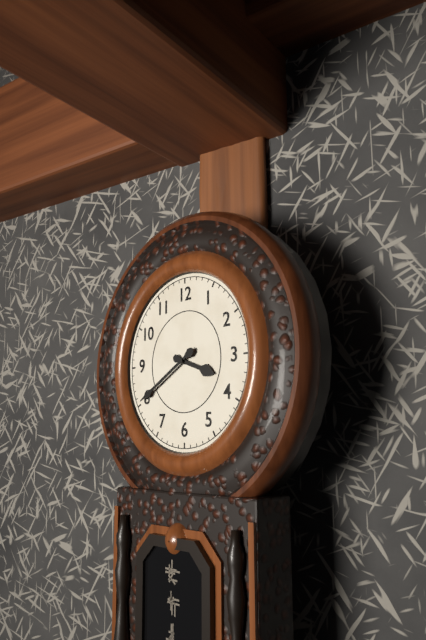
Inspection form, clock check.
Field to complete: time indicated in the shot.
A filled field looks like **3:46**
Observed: **3:40**
